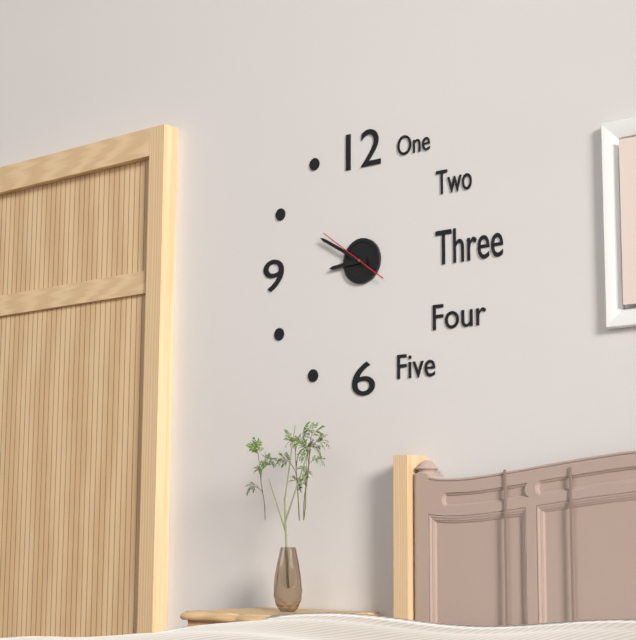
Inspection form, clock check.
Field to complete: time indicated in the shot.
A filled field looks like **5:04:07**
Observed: **8:50:51**
